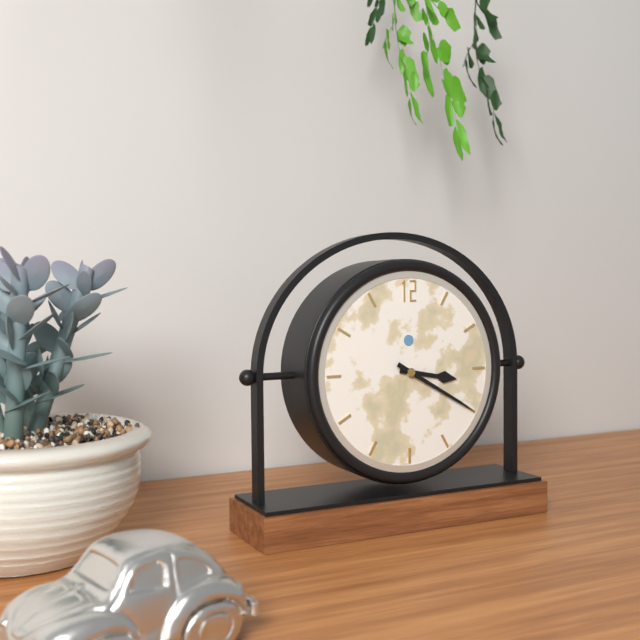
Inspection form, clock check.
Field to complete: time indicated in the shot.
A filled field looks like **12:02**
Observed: **3:20**
